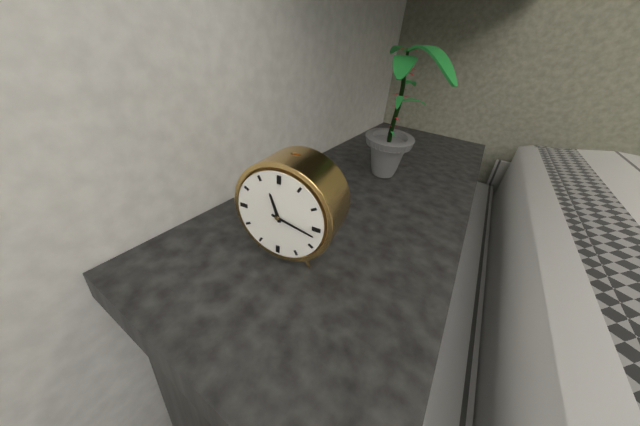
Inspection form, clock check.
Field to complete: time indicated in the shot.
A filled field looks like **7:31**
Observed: **11:17**
